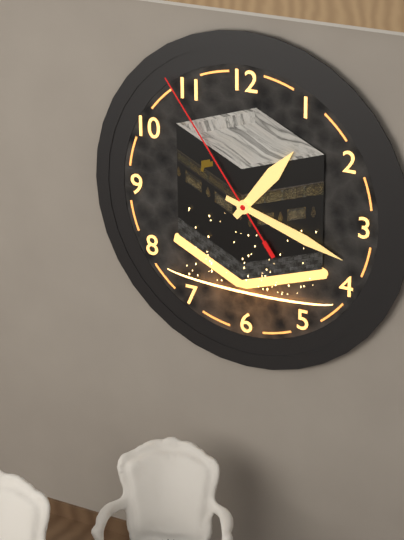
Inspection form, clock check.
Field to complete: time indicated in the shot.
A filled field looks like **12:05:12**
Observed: **1:18:54**
